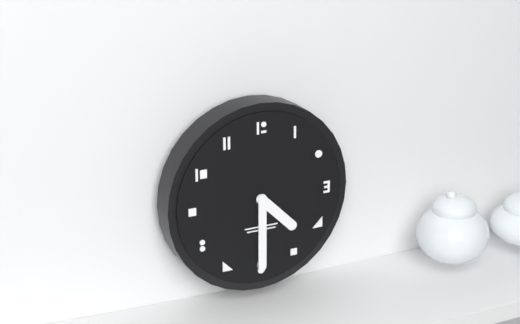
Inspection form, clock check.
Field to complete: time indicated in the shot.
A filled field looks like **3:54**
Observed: **4:30**
